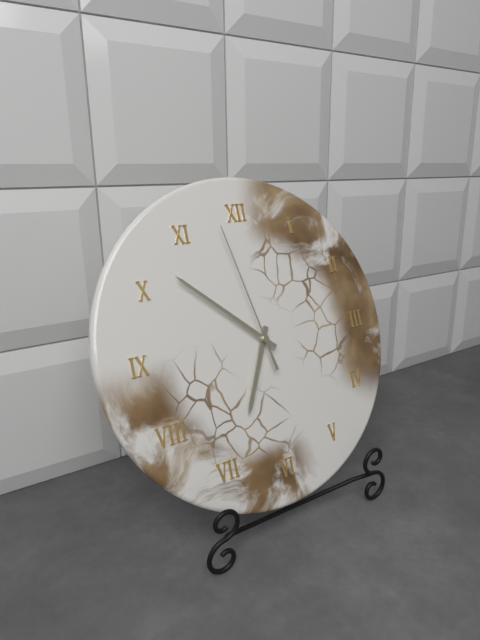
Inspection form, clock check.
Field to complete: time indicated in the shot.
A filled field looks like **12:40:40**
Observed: **6:52:58**
